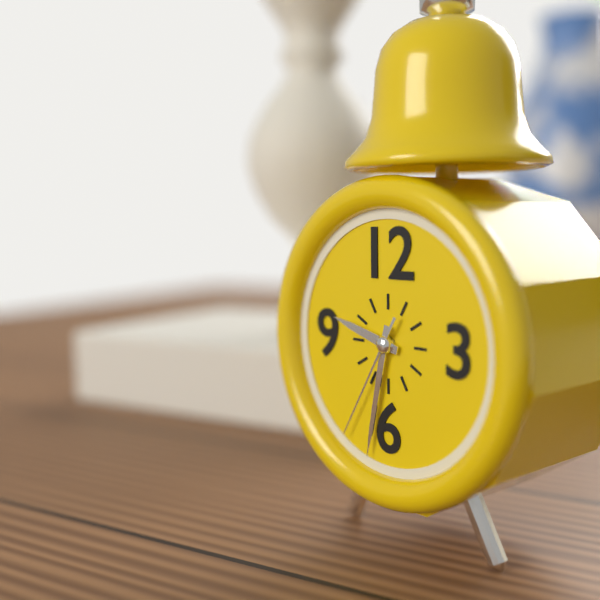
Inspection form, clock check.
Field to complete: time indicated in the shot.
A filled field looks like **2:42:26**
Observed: **9:32:35**
